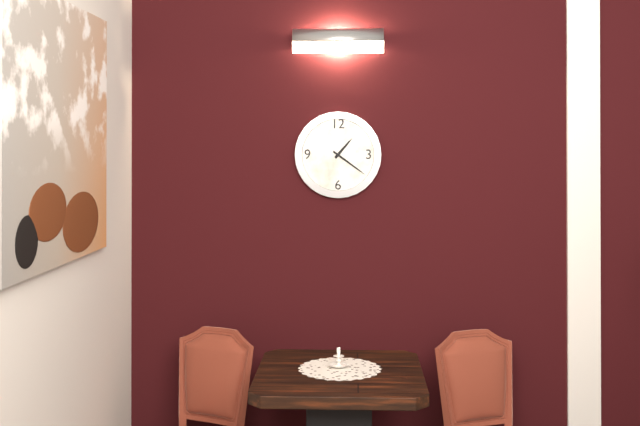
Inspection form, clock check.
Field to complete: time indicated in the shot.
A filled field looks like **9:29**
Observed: **1:21**
